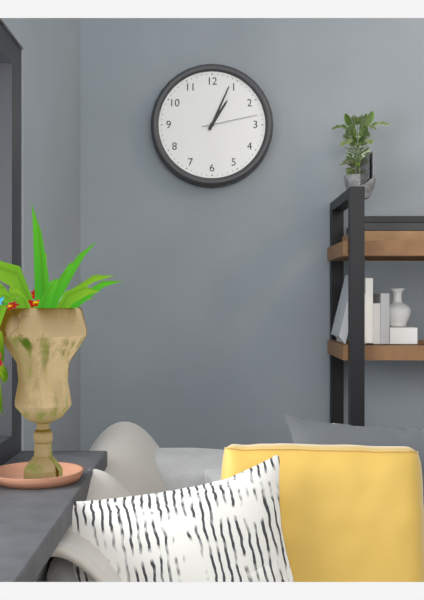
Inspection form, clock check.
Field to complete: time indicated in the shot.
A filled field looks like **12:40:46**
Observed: **1:04:13**
